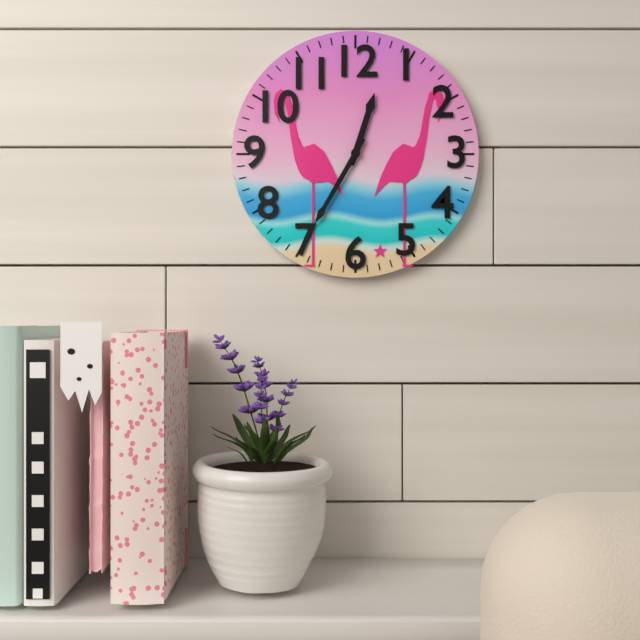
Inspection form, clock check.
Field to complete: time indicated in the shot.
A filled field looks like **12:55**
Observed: **12:35**
